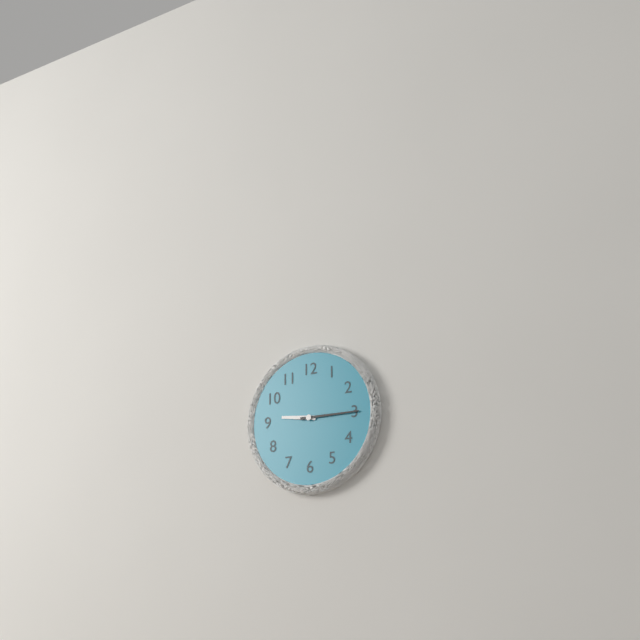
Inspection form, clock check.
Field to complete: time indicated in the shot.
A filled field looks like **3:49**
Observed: **9:15**
